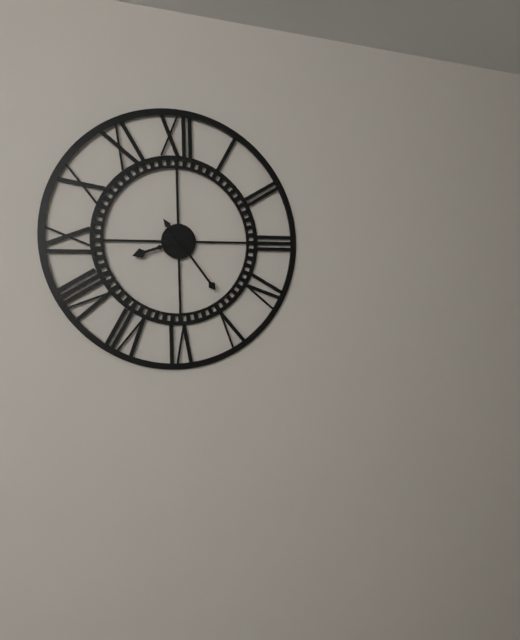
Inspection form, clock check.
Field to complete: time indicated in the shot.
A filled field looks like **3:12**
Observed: **8:24**
